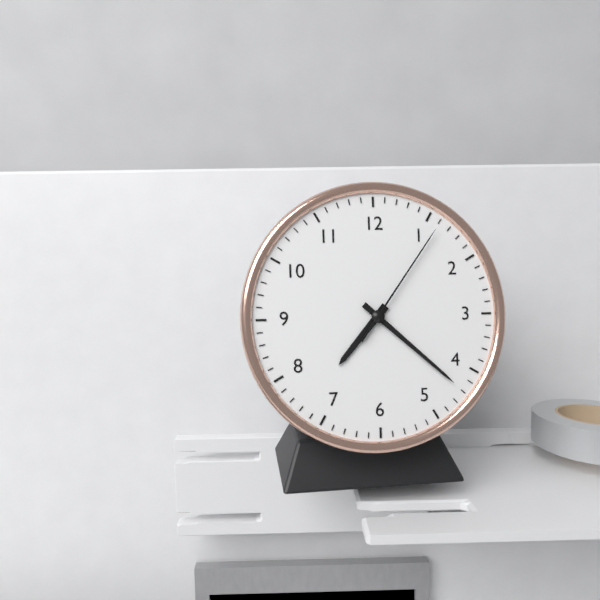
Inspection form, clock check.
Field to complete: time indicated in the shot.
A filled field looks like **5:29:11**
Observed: **7:22:06**
